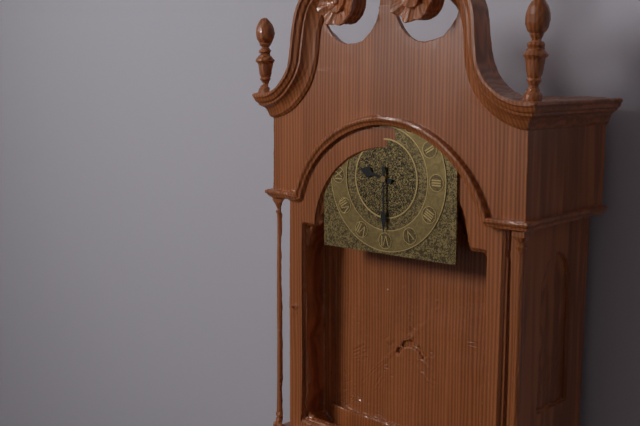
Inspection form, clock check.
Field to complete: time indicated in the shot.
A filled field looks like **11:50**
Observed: **9:30**
